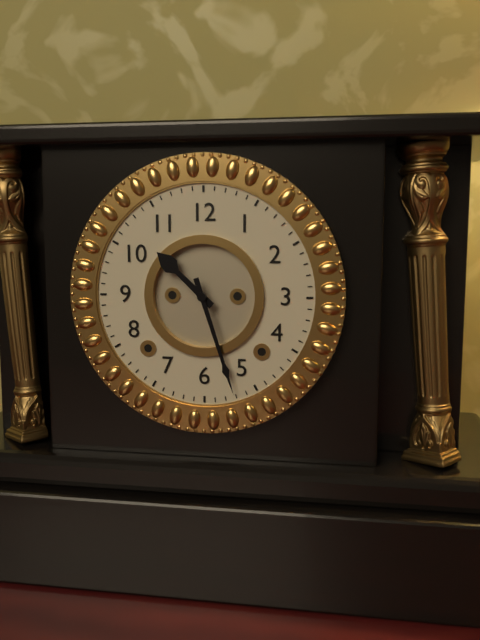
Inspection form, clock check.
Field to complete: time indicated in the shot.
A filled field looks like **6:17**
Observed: **10:27**
